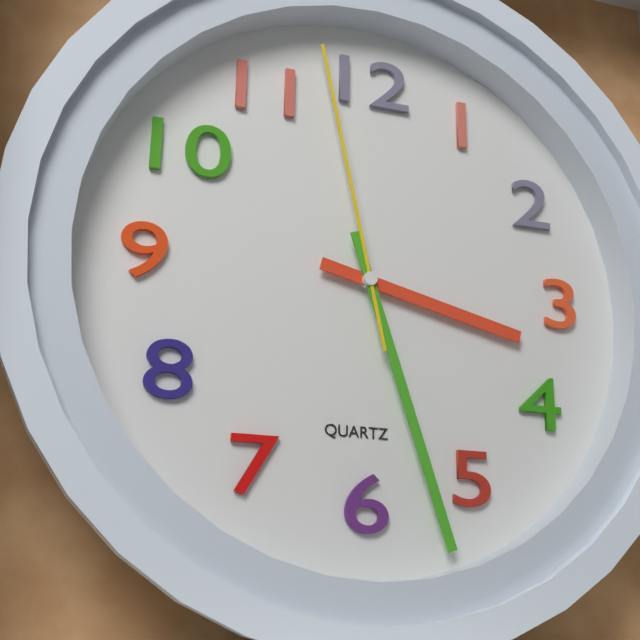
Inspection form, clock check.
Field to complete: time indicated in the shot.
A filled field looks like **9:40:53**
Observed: **3:27:58**
